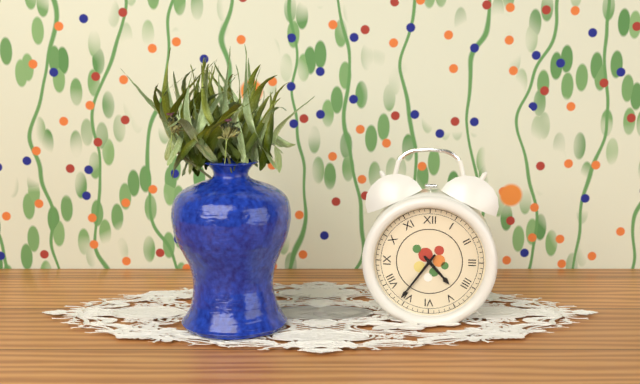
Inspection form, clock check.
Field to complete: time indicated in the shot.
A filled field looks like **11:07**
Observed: **4:36**
